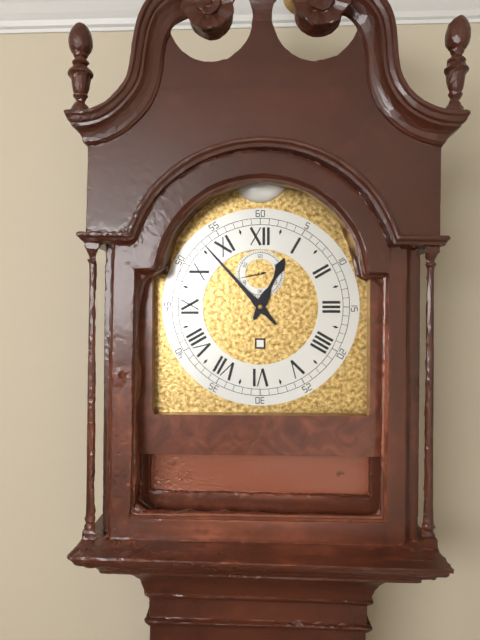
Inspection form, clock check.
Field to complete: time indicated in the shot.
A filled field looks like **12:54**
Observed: **12:53**
